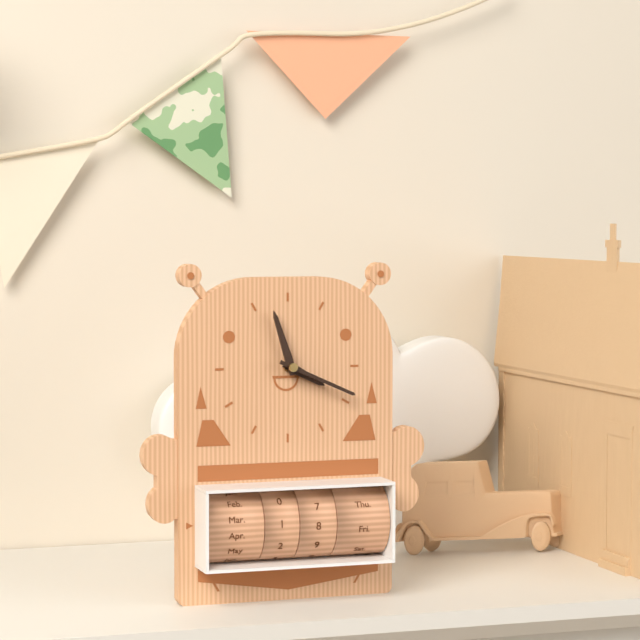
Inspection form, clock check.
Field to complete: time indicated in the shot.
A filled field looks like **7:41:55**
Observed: **3:57:19**
